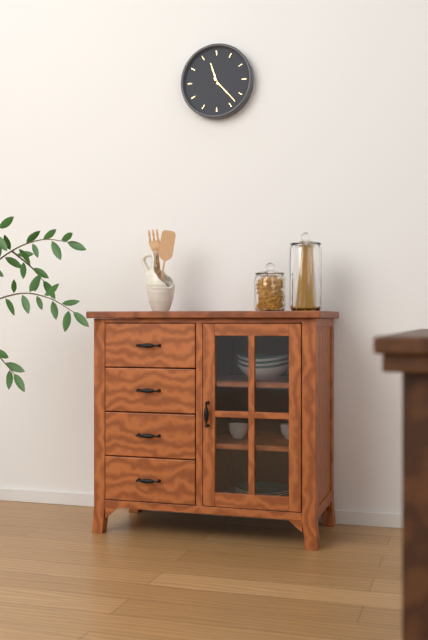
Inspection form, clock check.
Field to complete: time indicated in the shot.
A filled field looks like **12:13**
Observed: **11:23**
